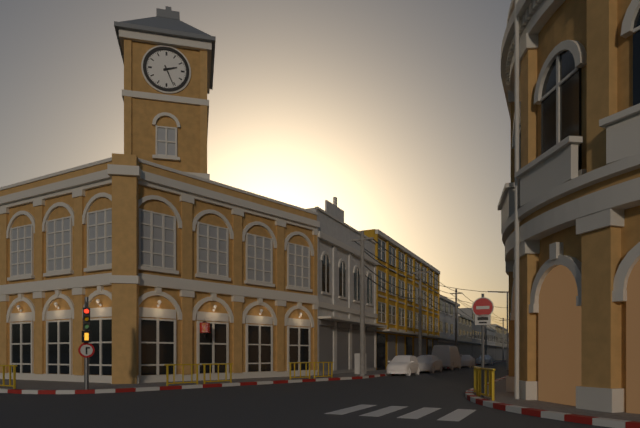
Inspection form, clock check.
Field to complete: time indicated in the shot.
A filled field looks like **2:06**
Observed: **2:26**
